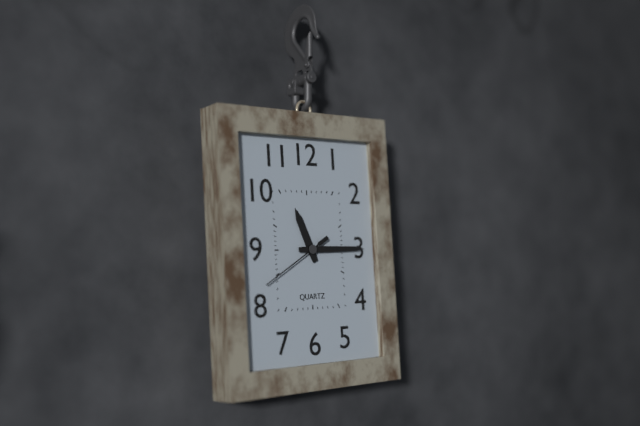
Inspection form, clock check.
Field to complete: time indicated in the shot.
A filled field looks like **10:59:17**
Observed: **11:15:40**
